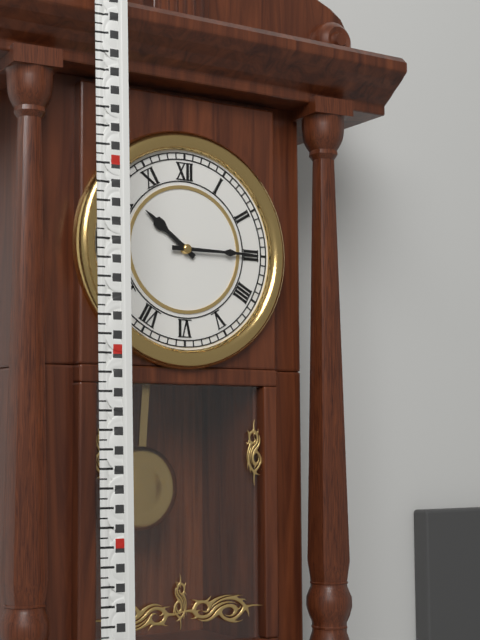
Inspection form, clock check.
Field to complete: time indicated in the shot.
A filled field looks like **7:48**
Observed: **10:15**
